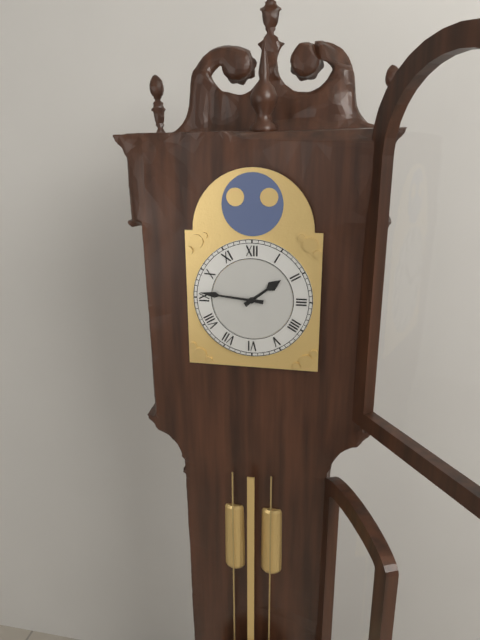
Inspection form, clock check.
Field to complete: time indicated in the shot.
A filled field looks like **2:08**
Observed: **1:46**
